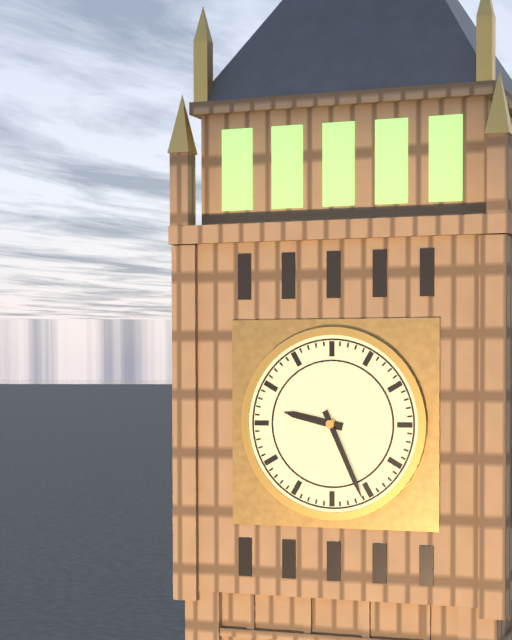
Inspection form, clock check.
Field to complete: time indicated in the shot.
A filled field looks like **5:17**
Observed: **9:26**
